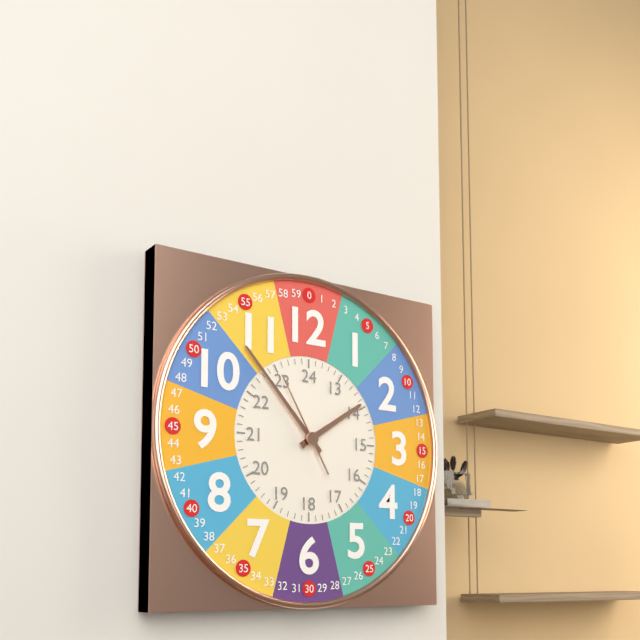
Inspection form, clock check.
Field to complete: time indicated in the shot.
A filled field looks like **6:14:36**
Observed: **1:53:55**
